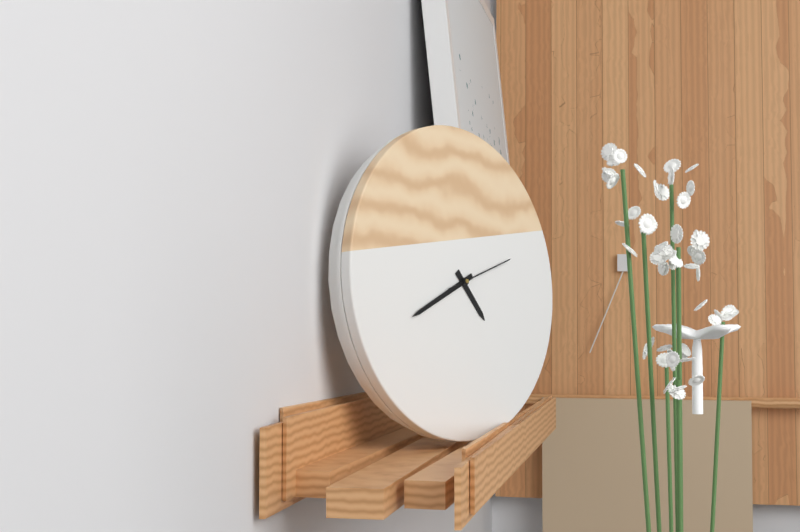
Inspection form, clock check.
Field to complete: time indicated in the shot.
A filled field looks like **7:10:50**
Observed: **4:41:12**
